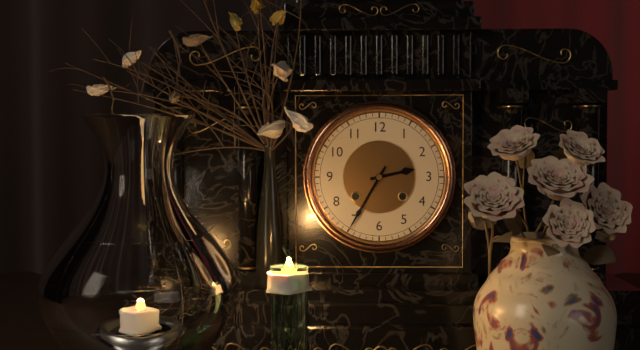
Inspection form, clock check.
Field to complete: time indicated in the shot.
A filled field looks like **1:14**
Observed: **2:35**
